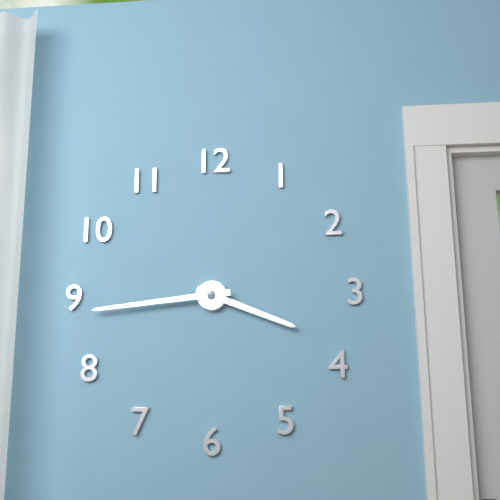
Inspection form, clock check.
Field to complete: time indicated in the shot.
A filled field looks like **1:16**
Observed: **3:44**
